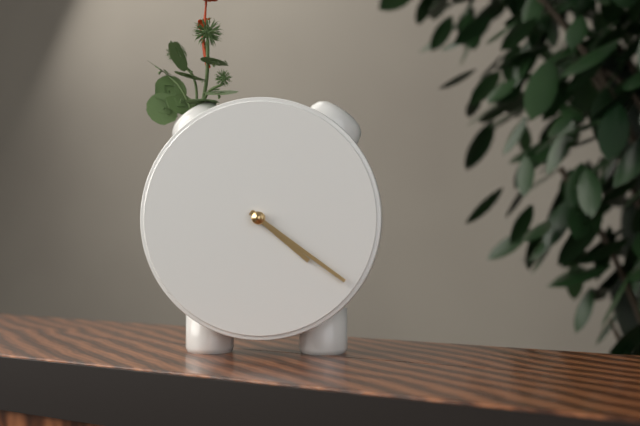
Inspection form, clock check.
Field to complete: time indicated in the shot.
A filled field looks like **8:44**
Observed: **4:21**
